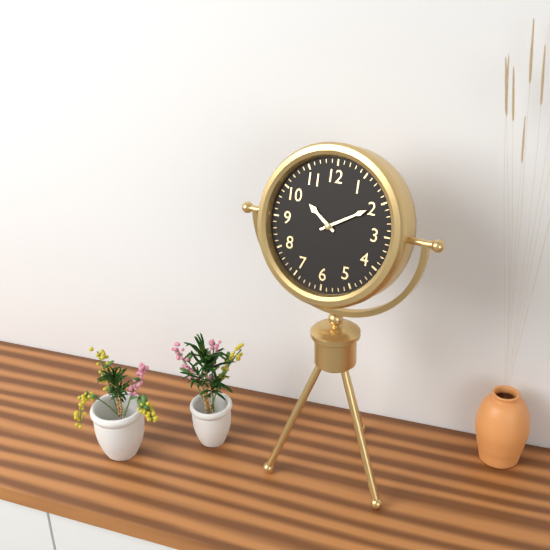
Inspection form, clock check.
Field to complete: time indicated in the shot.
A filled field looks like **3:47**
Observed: **10:10**
